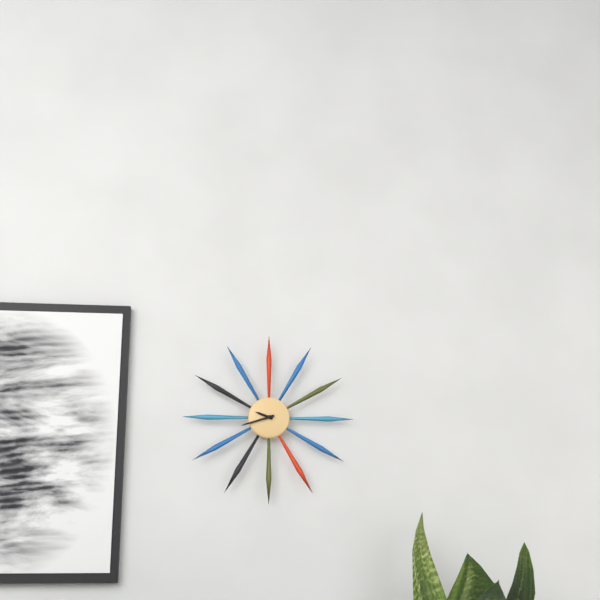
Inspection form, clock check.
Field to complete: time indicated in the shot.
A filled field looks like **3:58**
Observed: **9:42**
